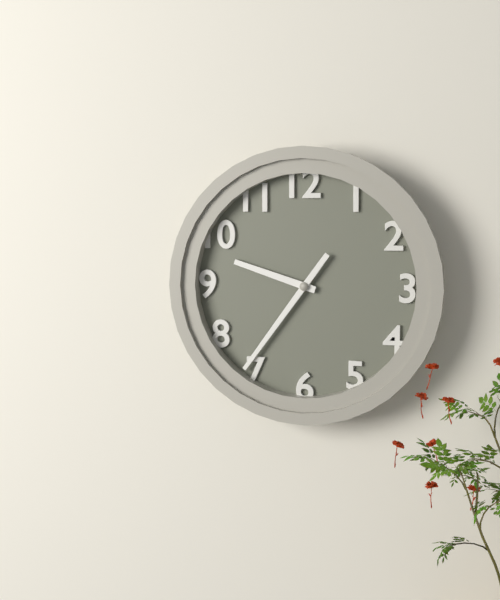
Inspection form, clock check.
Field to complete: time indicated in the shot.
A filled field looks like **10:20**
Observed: **9:36**
